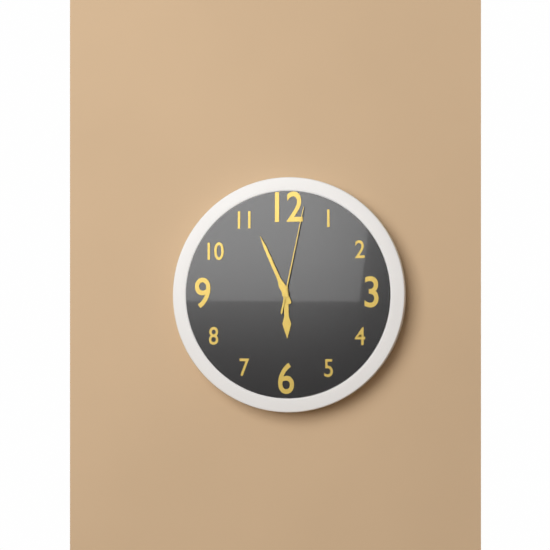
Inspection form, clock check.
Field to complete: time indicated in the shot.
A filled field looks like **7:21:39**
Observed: **5:56:02**
